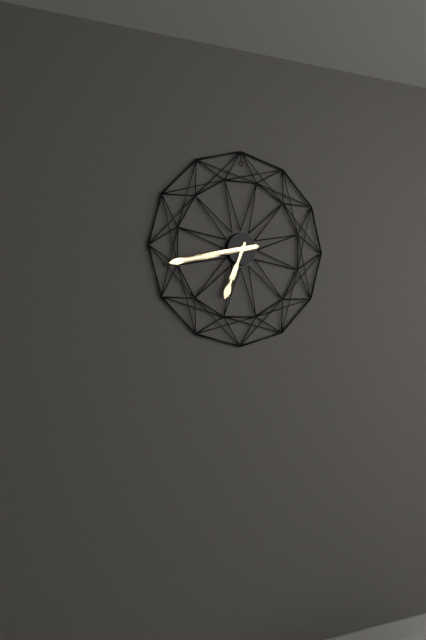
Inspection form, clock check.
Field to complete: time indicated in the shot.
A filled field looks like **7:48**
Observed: **6:43**
